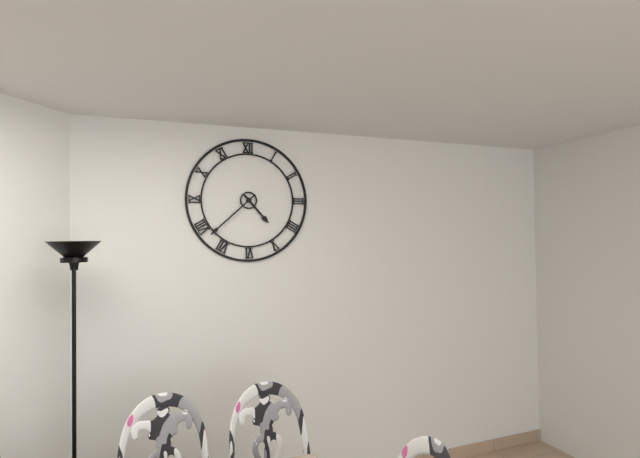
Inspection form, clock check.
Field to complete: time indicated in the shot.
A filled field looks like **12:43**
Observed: **4:38**
